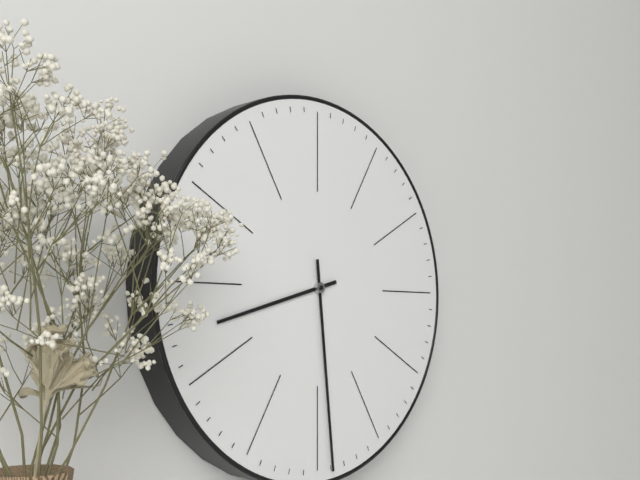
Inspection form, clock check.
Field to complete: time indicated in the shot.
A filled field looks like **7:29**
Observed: **8:29**
